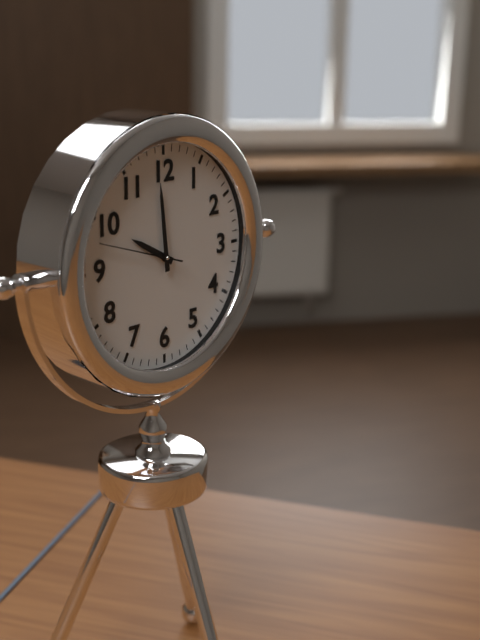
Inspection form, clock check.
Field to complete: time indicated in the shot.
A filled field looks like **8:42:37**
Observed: **9:59:48**
